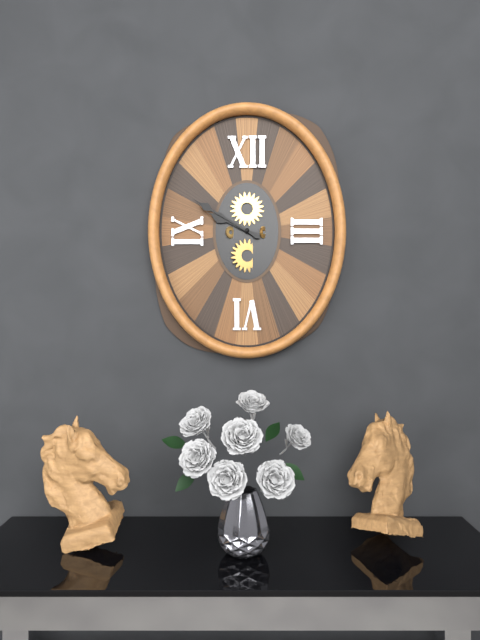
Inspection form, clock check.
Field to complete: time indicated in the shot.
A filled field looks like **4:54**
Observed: **9:50**
